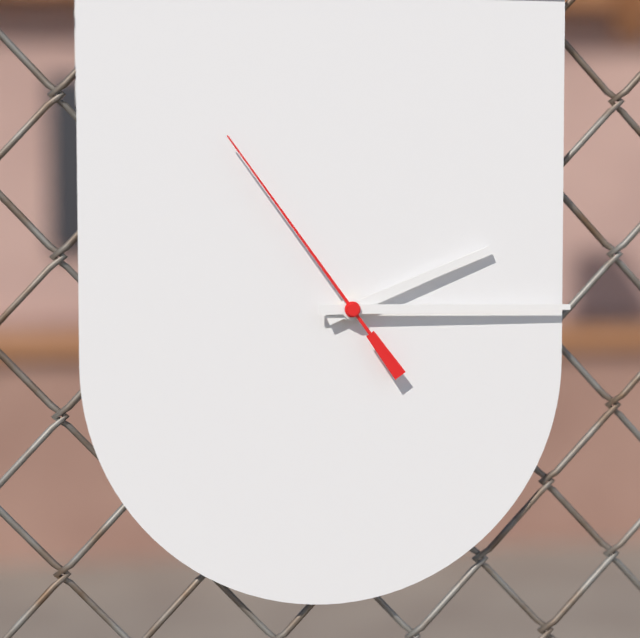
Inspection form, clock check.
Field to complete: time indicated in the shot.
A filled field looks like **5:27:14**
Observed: **2:15:54**
